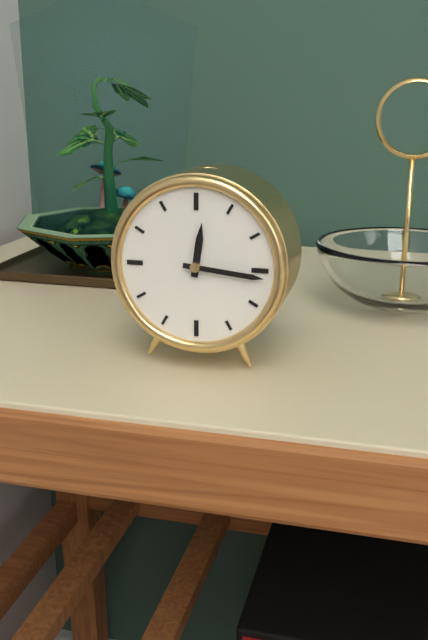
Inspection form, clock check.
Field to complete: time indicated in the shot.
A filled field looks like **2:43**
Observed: **12:16**
